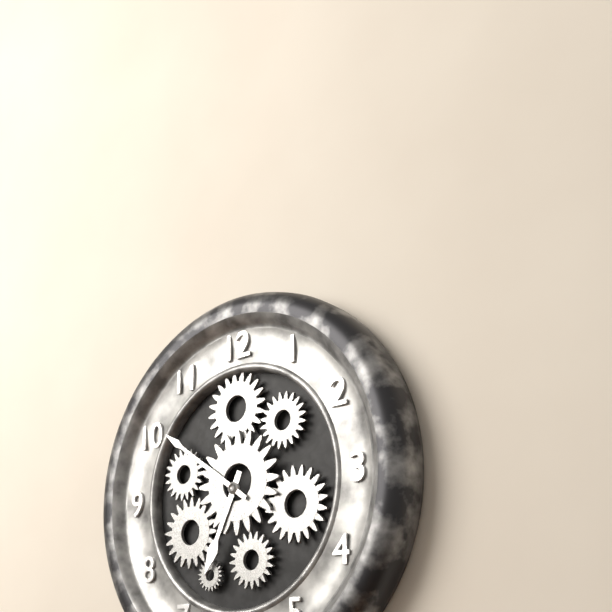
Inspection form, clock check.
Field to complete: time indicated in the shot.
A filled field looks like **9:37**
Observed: **6:51**
